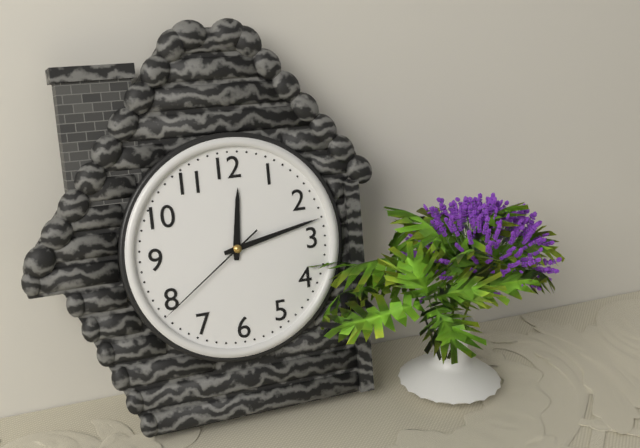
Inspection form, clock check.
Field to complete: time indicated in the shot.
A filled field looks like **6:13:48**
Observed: **12:13:39**
